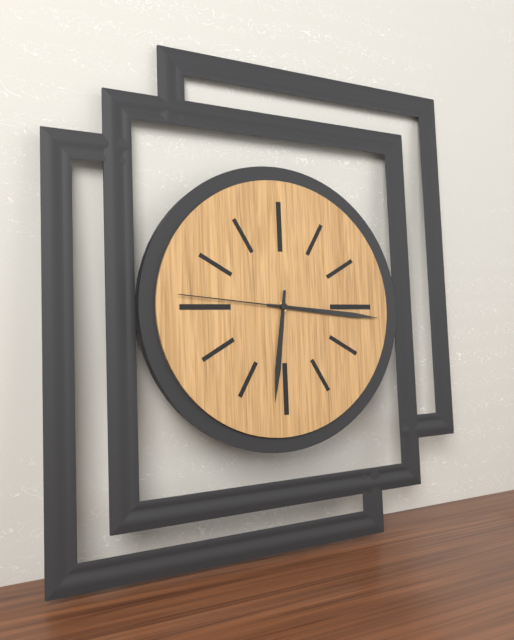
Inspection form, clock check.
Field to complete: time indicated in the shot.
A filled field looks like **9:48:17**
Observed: **6:16:46**
